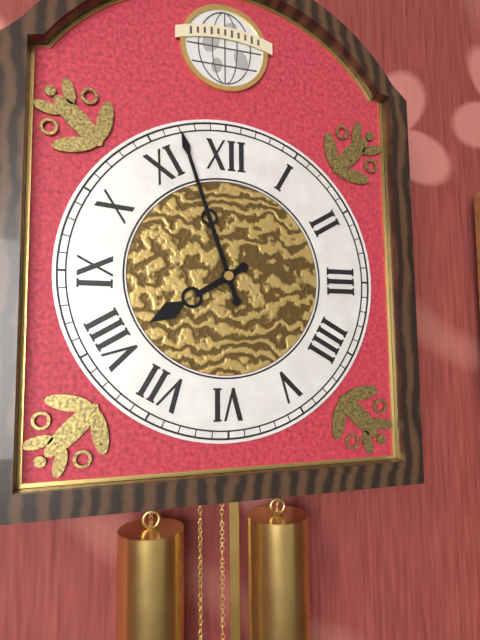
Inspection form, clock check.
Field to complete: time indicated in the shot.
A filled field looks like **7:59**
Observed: **7:57**
